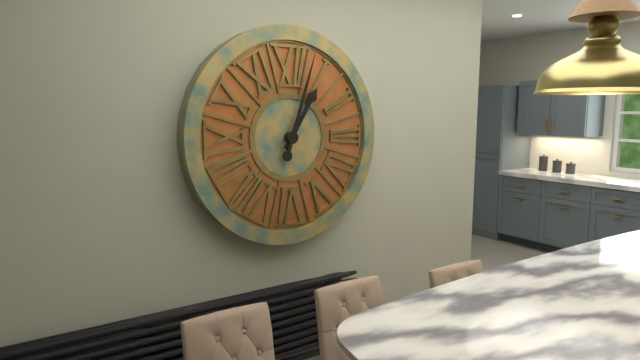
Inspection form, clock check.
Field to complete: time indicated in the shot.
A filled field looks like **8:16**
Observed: **1:03**
